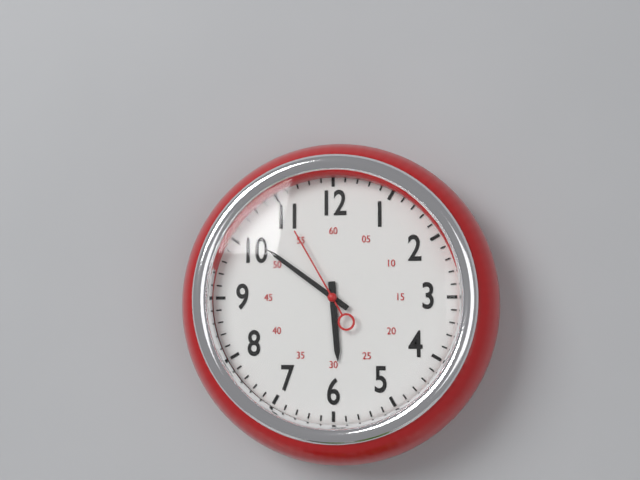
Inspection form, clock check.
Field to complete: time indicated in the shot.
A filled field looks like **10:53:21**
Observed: **5:51:55**
